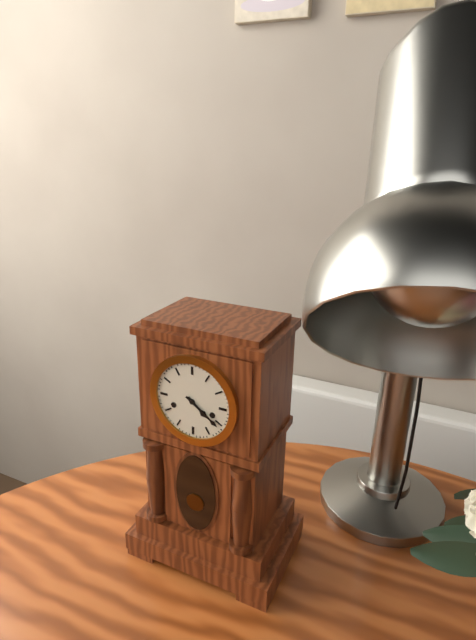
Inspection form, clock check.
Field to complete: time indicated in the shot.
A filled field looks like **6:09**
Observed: **4:21**
